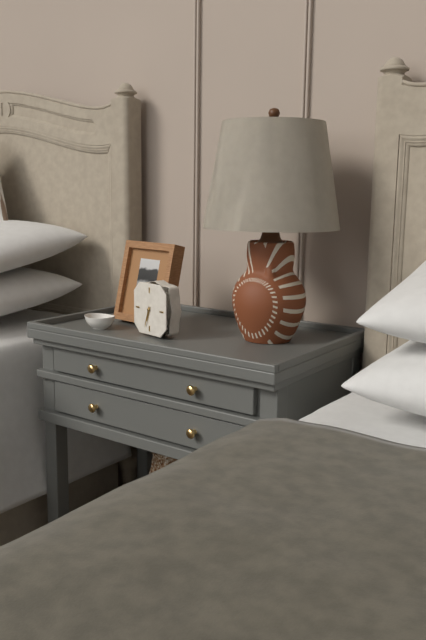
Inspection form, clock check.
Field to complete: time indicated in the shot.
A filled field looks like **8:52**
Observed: **6:33**
